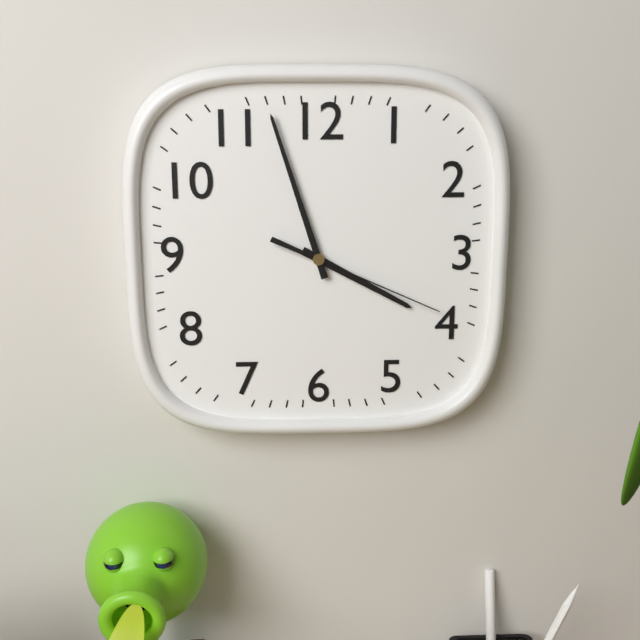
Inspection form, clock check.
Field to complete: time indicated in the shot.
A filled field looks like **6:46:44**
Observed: **3:57:19**
